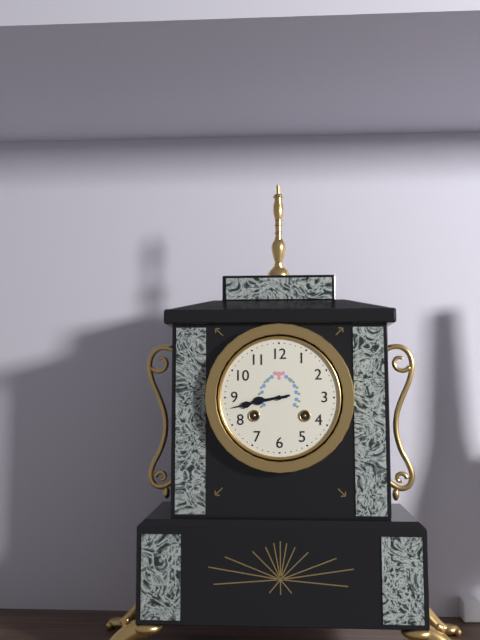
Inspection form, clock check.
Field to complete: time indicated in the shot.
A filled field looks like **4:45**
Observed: **8:43**
